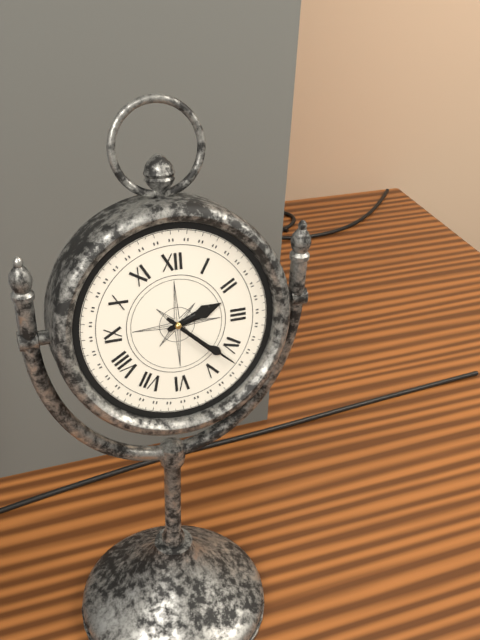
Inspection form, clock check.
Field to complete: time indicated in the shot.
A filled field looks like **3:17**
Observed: **2:22**
